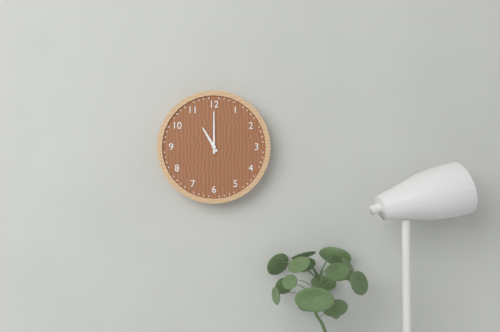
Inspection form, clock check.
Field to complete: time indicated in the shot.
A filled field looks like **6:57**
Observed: **11:00**
